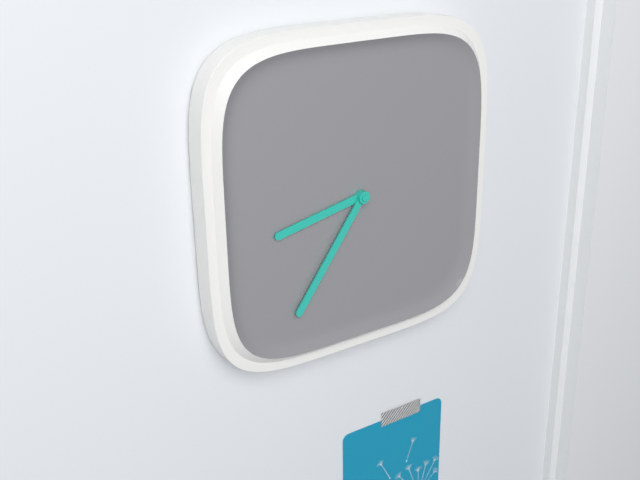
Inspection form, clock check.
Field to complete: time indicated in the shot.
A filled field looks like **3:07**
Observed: **8:36**
